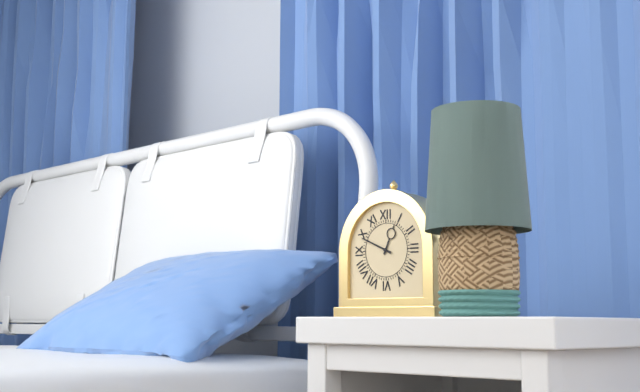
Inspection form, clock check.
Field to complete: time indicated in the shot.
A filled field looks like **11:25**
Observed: **12:49**
